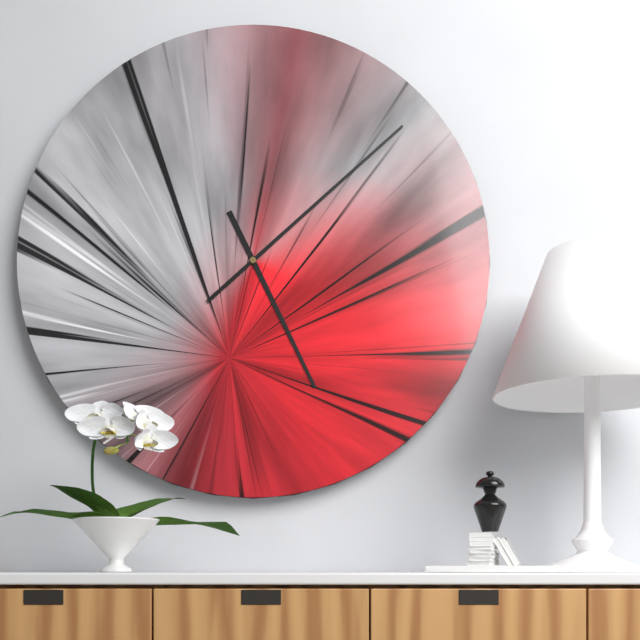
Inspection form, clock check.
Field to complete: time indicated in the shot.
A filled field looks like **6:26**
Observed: **5:08**
